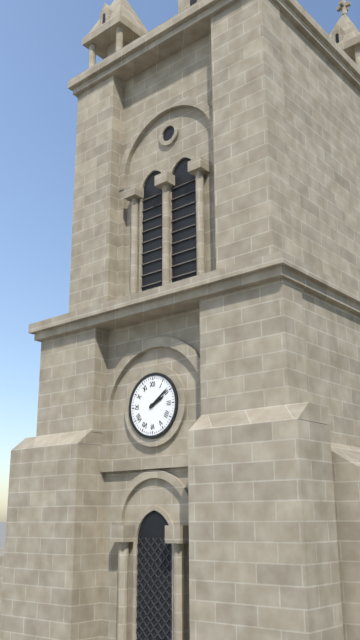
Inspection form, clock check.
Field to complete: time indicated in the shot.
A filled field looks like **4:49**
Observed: **2:09**
